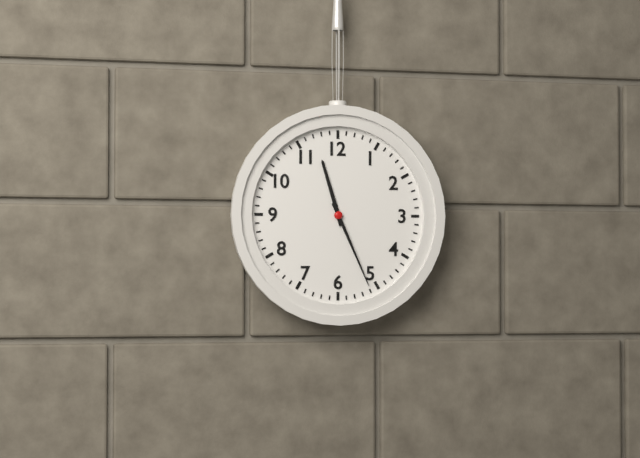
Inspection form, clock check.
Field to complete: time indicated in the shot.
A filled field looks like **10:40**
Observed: **11:26**
